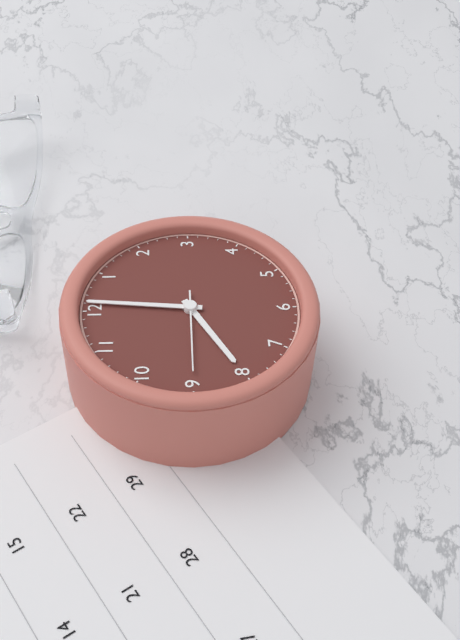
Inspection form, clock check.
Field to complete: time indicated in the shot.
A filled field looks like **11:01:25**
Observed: **8:01:45**
